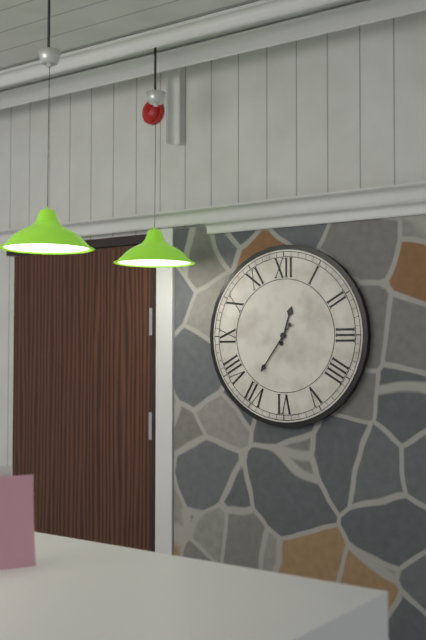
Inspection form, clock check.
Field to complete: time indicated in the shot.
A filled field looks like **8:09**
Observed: **12:36**
